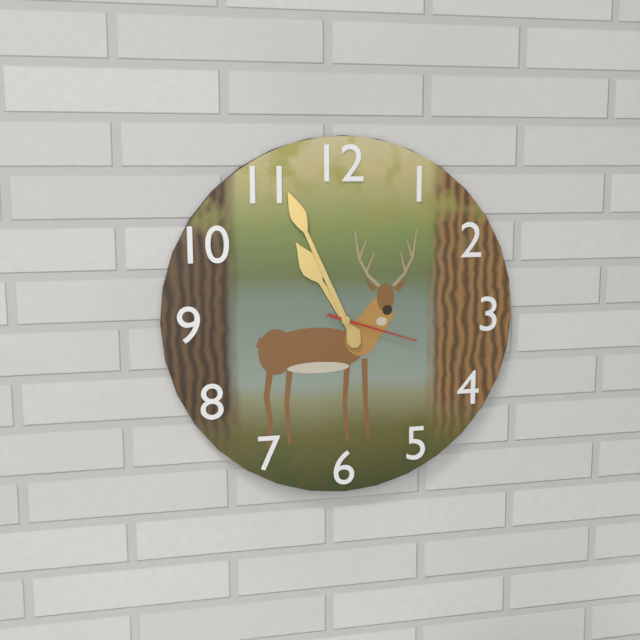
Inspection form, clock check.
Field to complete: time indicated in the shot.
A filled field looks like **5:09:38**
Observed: **10:56:18**
